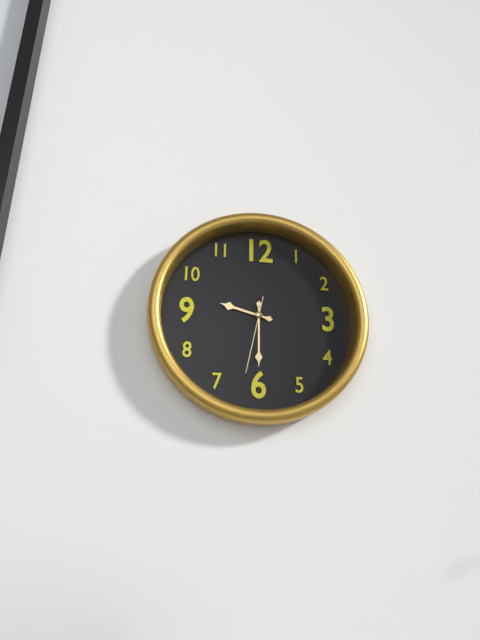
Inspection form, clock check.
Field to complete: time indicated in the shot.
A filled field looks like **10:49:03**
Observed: **9:30:32**
